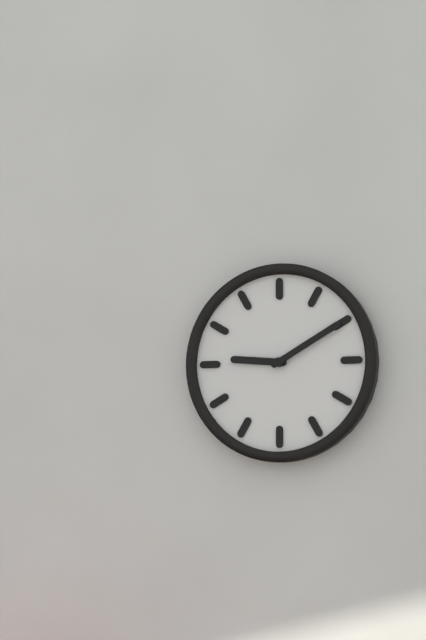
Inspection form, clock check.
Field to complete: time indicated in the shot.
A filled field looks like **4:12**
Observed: **9:10**
